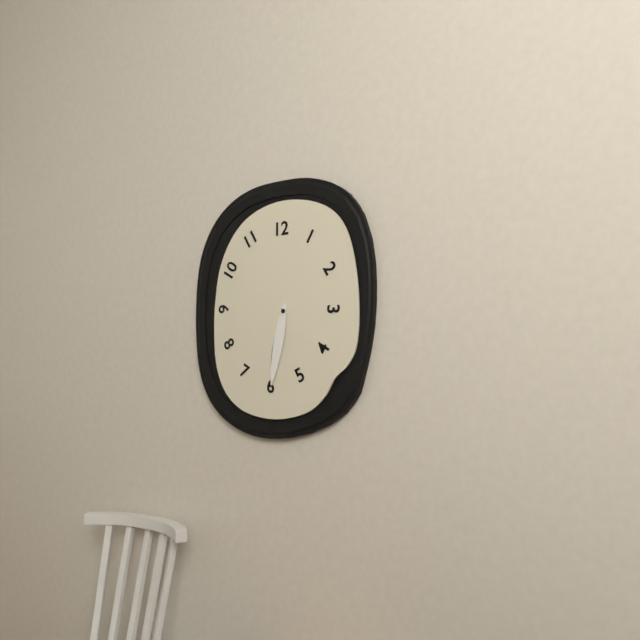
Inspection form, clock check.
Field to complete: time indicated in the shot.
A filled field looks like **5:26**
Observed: **6:32**
